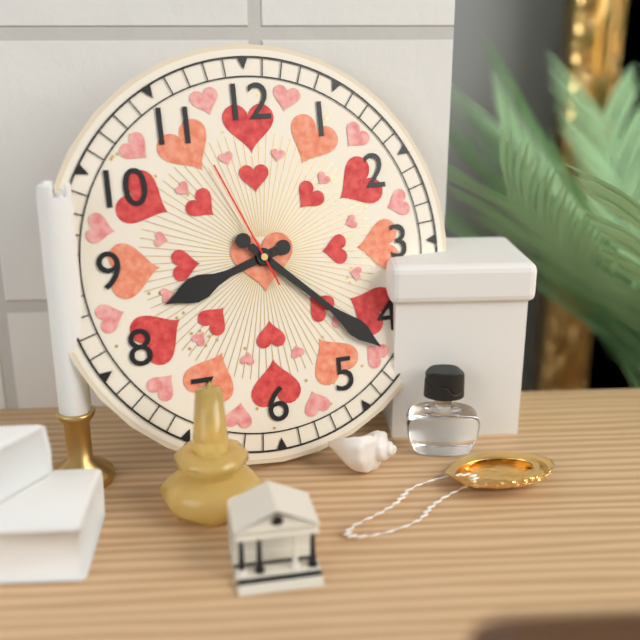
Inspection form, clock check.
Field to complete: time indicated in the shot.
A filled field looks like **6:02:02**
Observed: **8:22:56**
